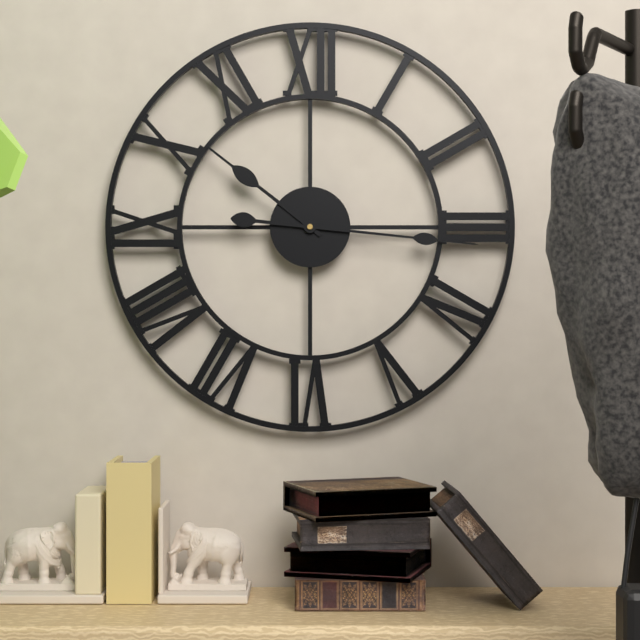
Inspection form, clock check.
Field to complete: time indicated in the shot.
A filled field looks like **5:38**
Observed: **10:16**
